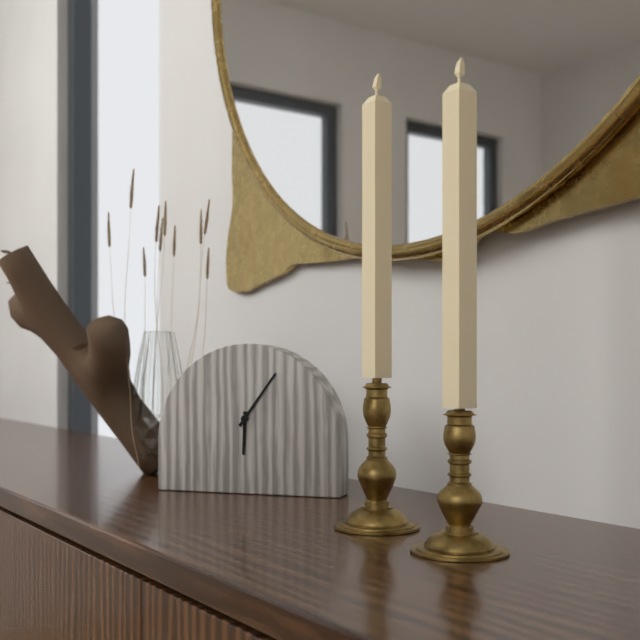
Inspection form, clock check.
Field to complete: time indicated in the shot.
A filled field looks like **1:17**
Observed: **6:06**
